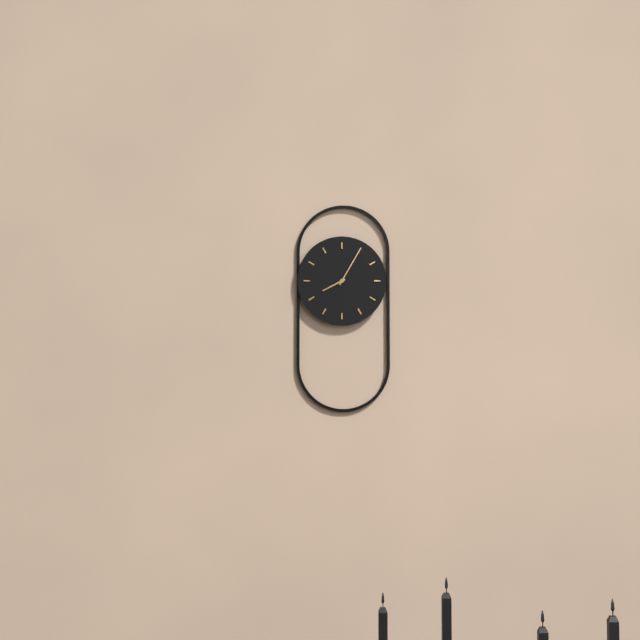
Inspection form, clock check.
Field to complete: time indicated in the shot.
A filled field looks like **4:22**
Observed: **8:05**
